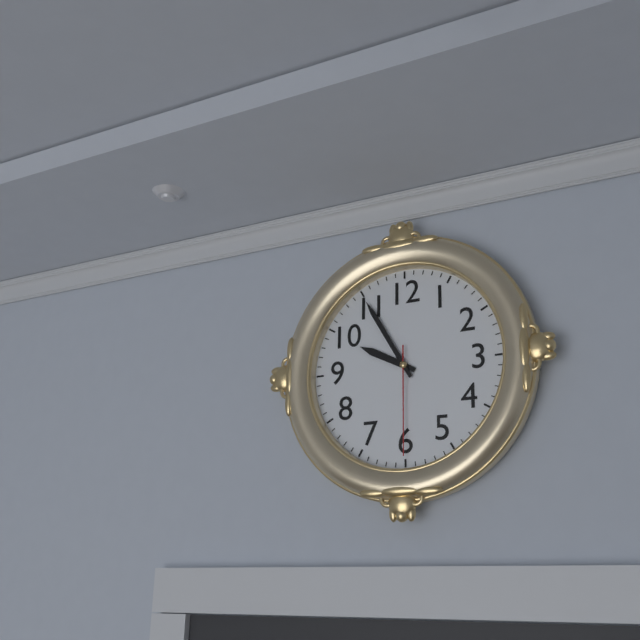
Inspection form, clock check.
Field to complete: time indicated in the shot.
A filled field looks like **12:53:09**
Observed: **9:55:30**
